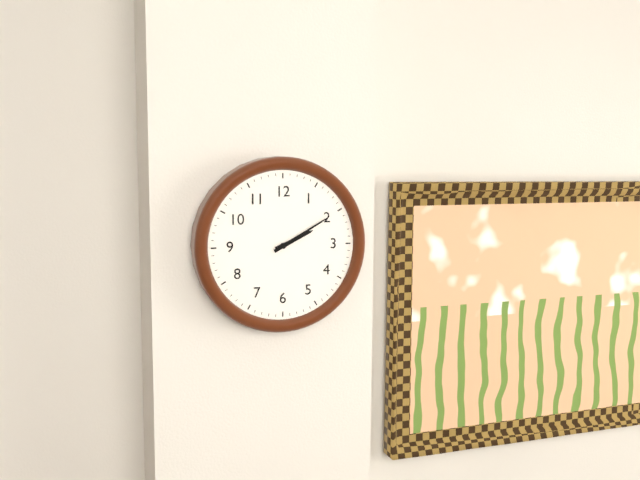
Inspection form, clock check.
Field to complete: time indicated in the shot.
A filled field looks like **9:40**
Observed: **2:10**
